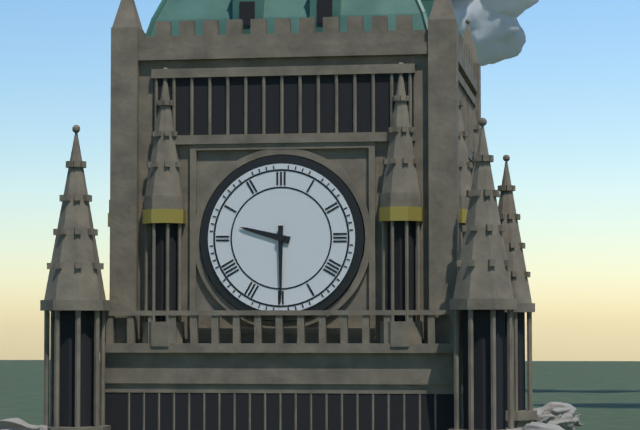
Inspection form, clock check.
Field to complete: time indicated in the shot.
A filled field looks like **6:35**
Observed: **9:30**
